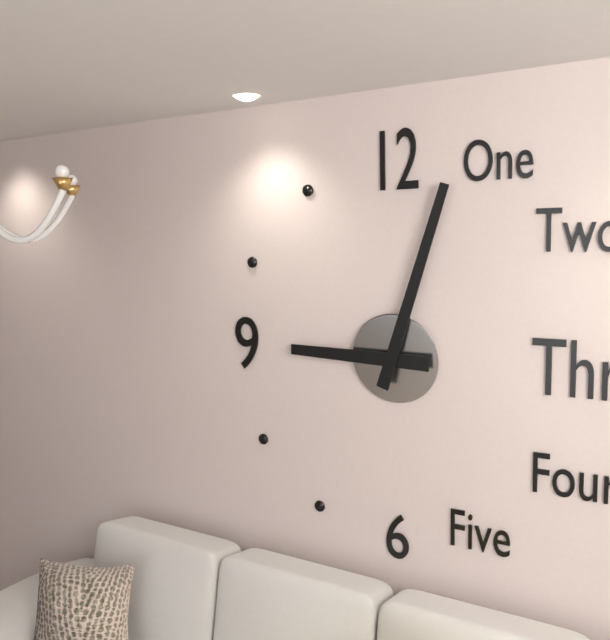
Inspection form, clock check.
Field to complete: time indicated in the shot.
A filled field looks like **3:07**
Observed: **9:03**
